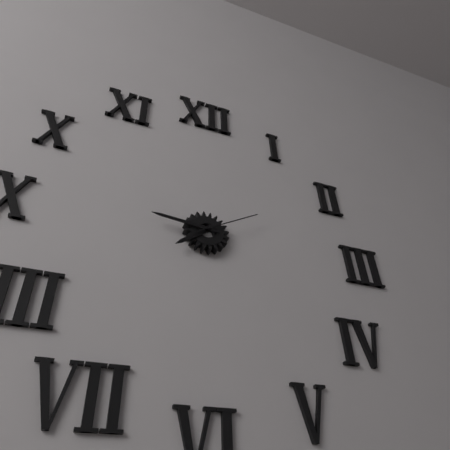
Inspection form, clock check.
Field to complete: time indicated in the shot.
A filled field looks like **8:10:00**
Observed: **7:46:10**
